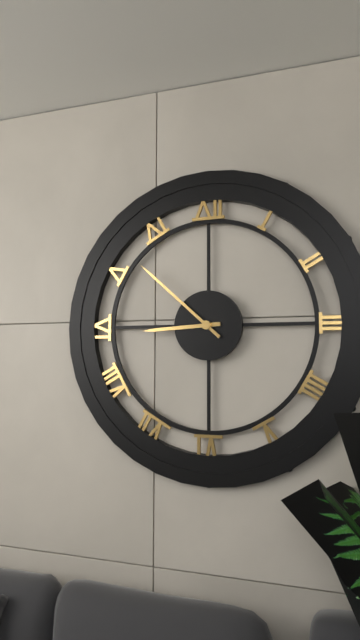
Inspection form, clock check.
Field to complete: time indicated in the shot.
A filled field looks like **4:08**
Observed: **8:52**
